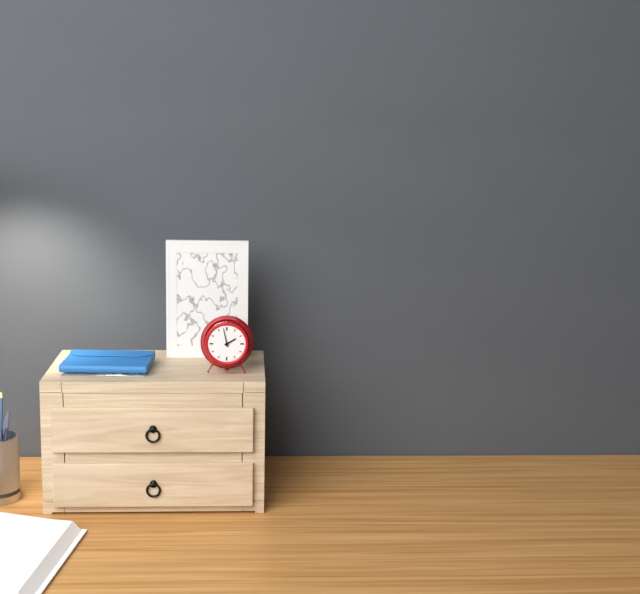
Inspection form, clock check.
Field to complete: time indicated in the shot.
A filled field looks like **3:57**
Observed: **1:58**
